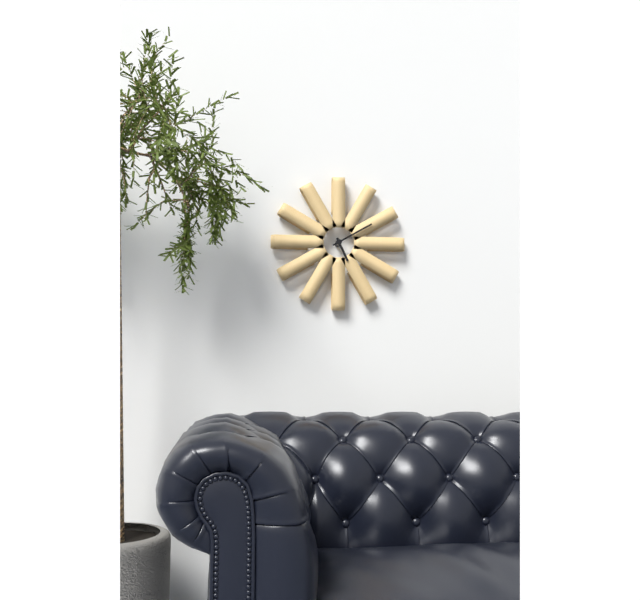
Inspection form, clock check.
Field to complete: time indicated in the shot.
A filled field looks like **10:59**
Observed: **5:10**
